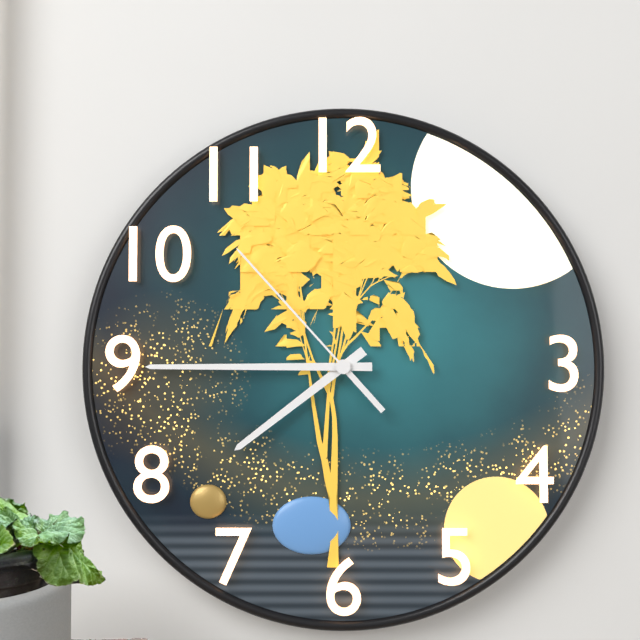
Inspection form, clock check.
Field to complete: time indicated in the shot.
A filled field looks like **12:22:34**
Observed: **7:45:53**
